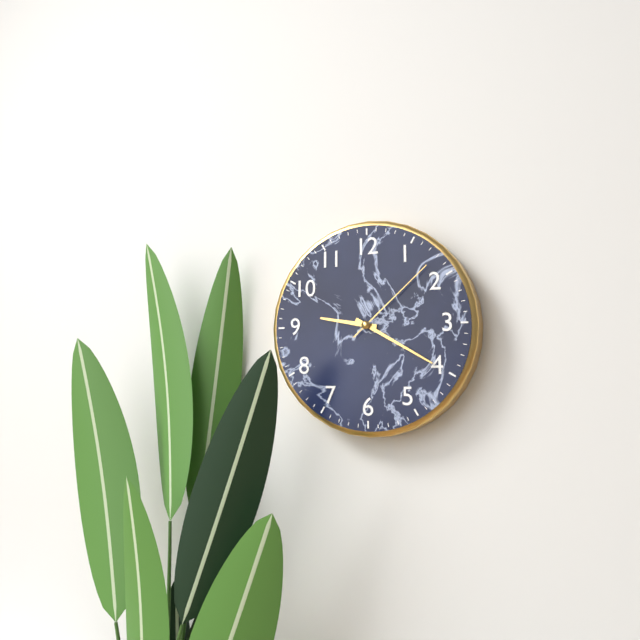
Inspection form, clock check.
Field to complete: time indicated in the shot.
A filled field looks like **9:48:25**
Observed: **9:20:08**
